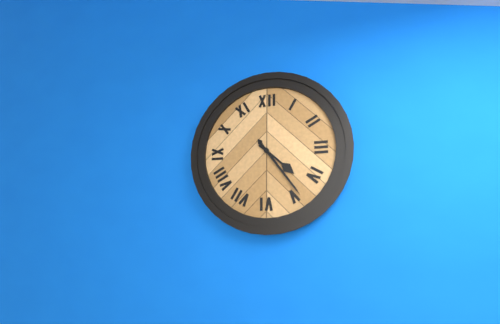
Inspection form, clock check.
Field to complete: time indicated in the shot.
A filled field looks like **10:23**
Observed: **4:24**
